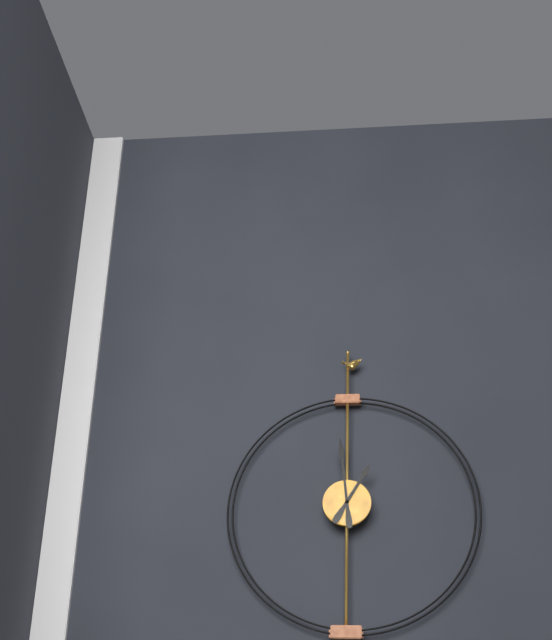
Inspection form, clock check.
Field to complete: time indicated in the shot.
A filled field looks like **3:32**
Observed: **12:59**
